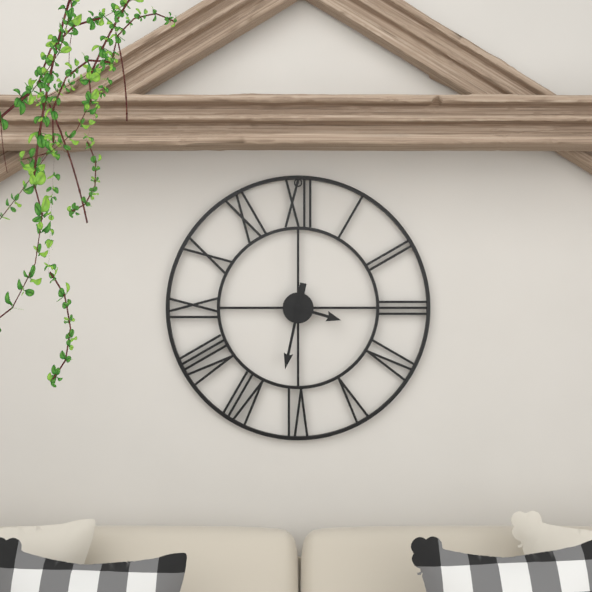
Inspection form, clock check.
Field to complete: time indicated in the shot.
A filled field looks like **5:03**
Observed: **3:32**
